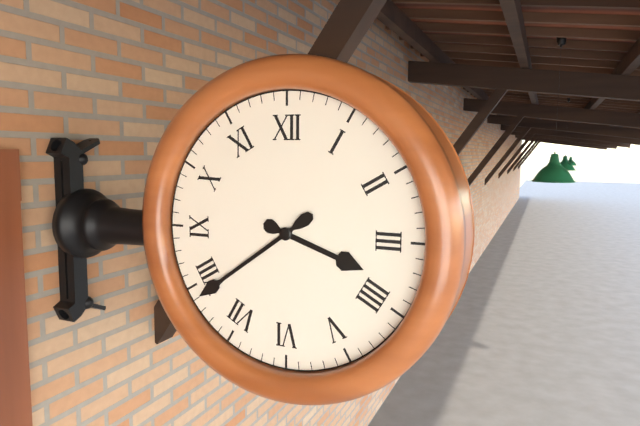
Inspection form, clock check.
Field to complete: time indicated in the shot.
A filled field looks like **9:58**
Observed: **3:39**
